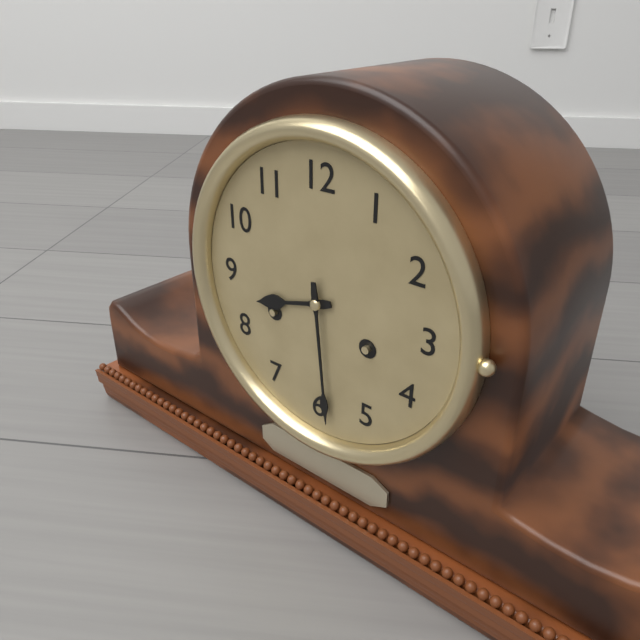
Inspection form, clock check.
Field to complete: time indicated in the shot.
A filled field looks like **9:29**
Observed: **8:29**
